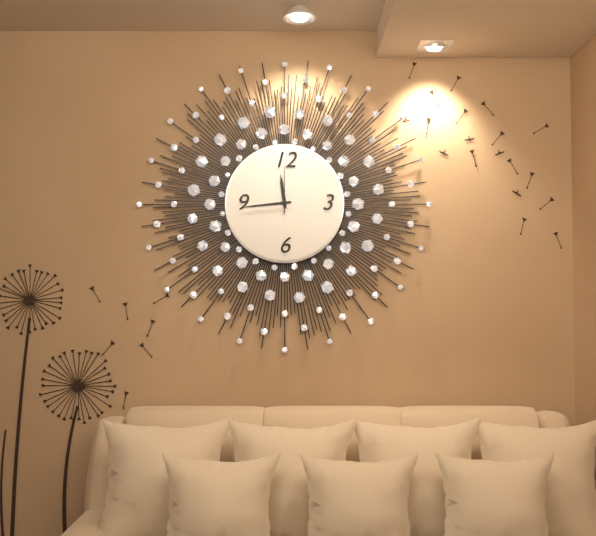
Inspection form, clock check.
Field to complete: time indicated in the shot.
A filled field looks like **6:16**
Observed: **11:44**
